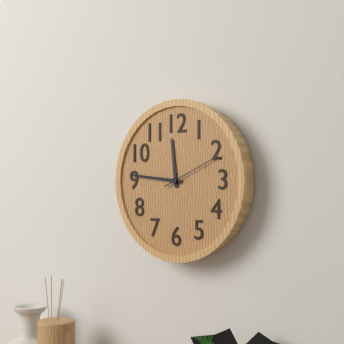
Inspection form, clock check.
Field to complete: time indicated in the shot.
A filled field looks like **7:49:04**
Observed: **11:46:11**
